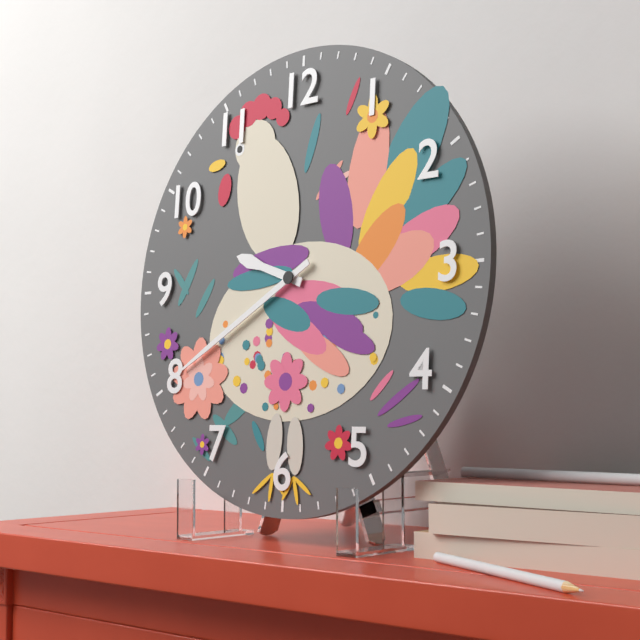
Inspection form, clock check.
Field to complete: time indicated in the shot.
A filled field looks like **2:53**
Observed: **9:40**
